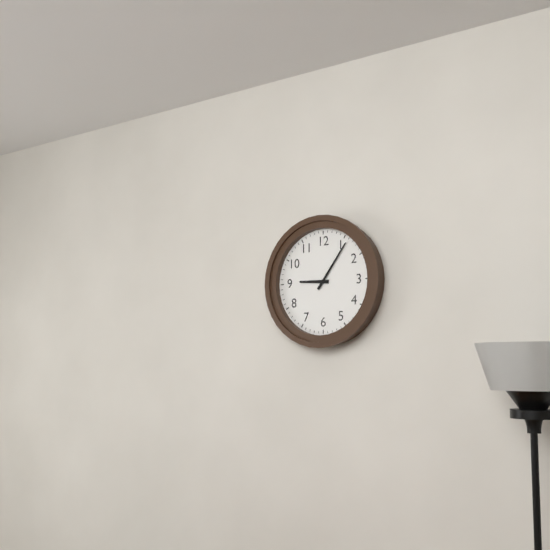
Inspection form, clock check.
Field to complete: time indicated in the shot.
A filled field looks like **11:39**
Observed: **9:06**
